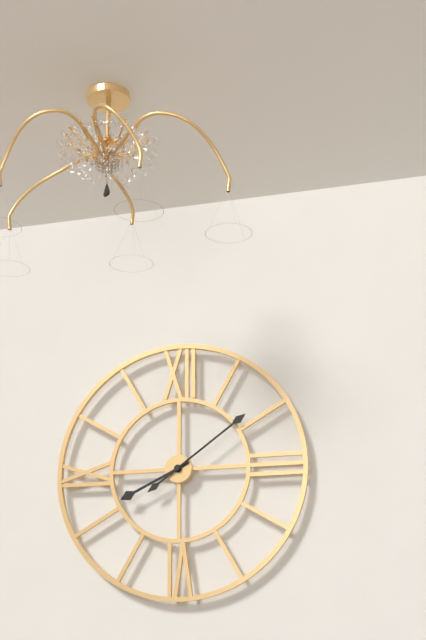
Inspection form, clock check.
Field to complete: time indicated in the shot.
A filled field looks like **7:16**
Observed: **8:09**
